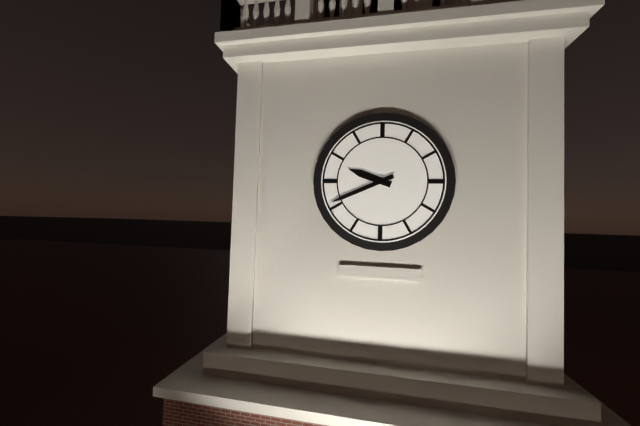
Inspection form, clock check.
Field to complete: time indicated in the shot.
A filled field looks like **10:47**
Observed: **9:41**
